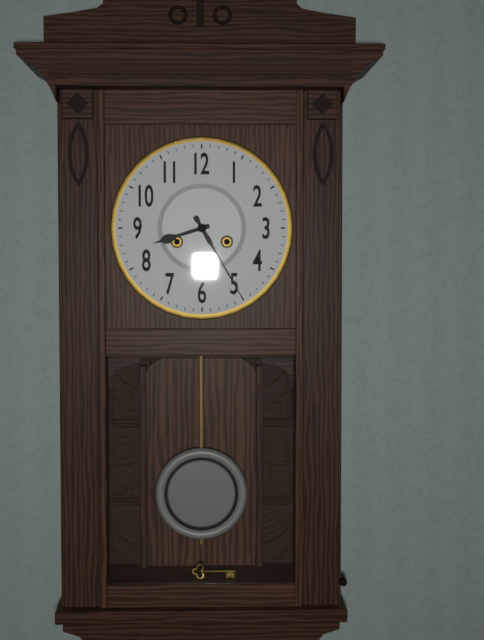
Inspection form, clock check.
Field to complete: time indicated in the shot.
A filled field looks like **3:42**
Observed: **8:25**
